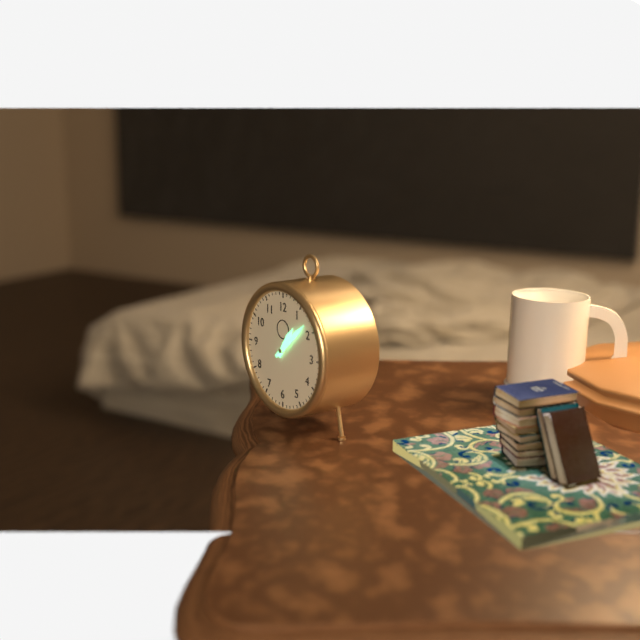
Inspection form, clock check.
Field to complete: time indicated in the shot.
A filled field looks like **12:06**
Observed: **1:08**
